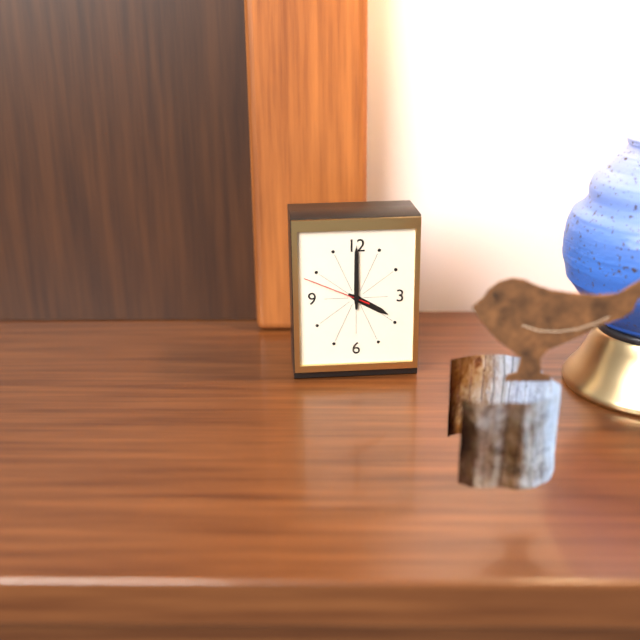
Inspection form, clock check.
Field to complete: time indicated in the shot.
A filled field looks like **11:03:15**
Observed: **4:00:49**
